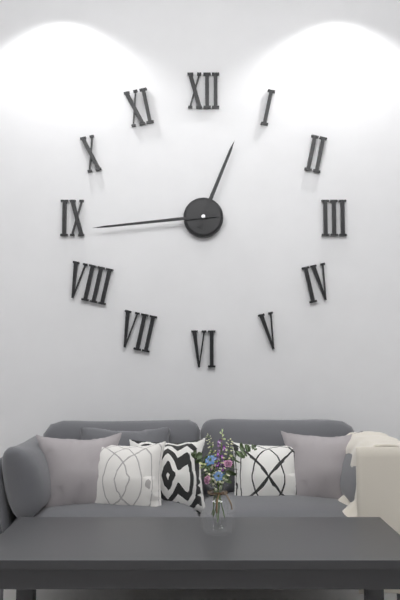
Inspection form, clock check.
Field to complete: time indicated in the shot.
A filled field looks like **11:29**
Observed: **12:44**
